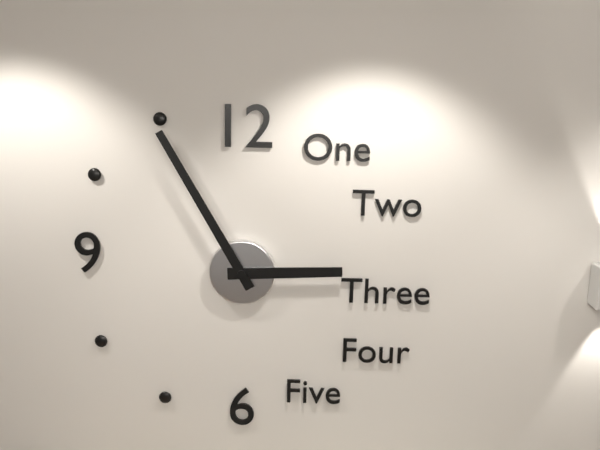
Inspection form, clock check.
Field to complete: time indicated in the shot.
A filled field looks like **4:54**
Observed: **2:55**
